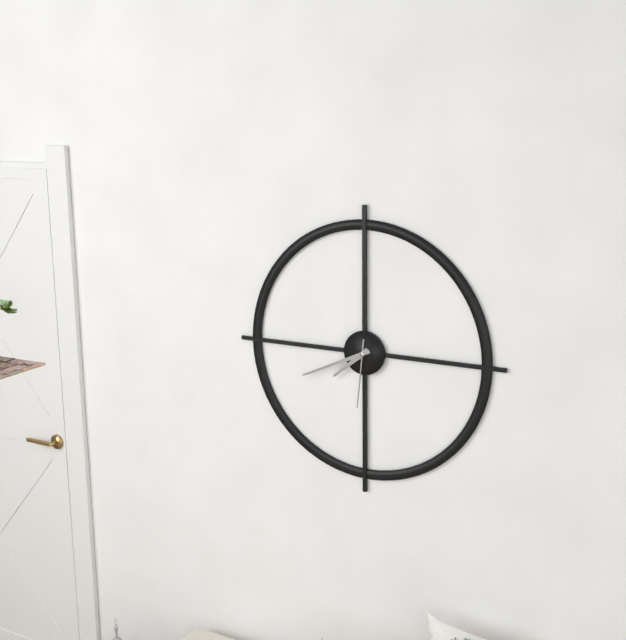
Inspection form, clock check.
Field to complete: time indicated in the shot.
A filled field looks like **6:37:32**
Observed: **7:41:31**
